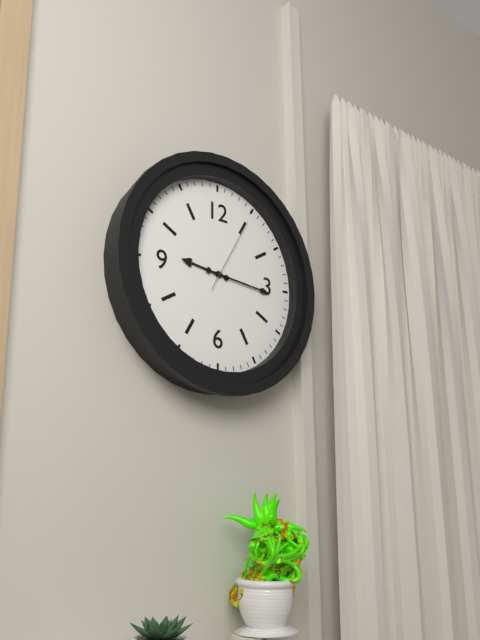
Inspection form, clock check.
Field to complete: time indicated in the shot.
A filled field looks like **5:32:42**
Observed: **9:16:05**
